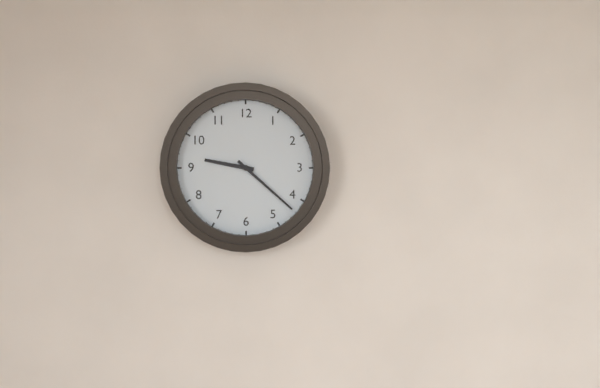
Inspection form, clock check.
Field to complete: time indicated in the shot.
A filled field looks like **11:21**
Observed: **9:22**
